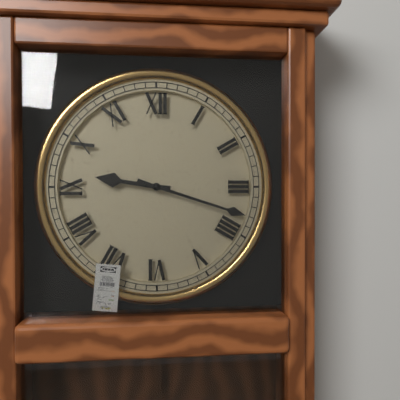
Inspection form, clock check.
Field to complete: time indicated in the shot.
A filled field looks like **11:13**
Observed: **9:18**
